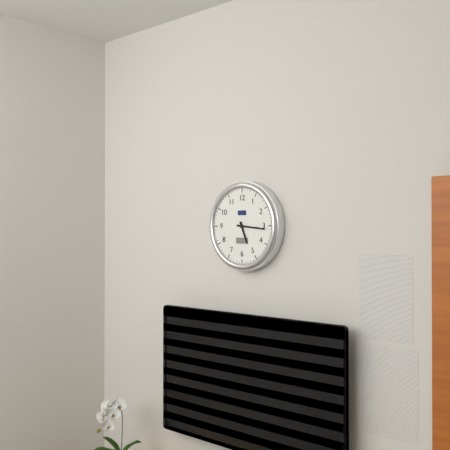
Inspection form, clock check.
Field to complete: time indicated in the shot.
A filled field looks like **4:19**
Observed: **5:16**
